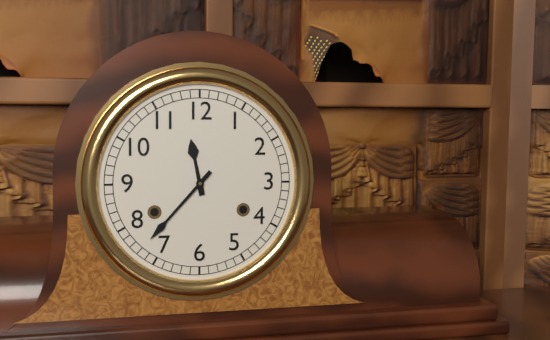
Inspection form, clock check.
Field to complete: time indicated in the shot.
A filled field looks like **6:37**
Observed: **11:37**
